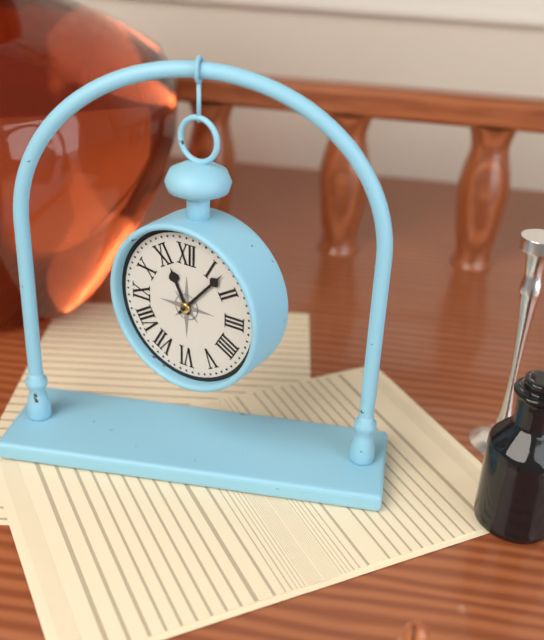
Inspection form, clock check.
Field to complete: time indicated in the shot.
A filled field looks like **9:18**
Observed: **11:07**
